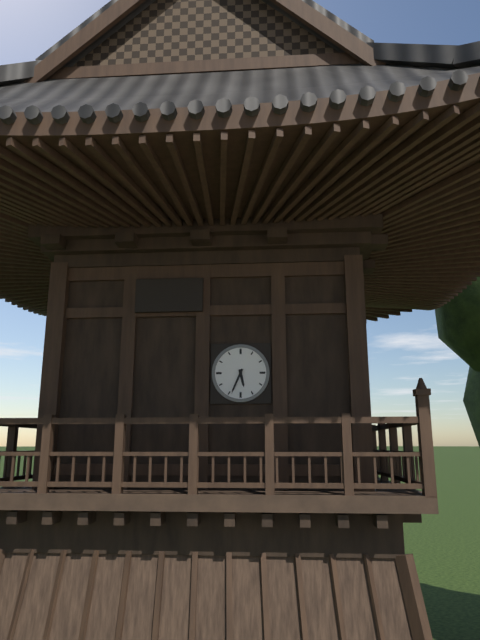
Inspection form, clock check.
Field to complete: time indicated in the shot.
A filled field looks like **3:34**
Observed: **5:34**
